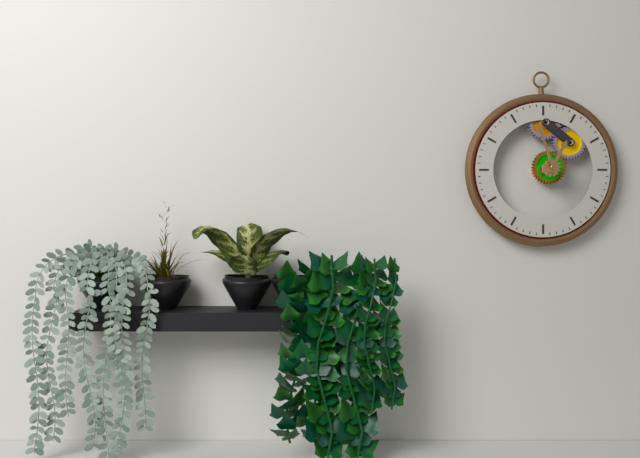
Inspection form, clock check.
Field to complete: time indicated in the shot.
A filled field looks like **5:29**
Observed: **12:57**
